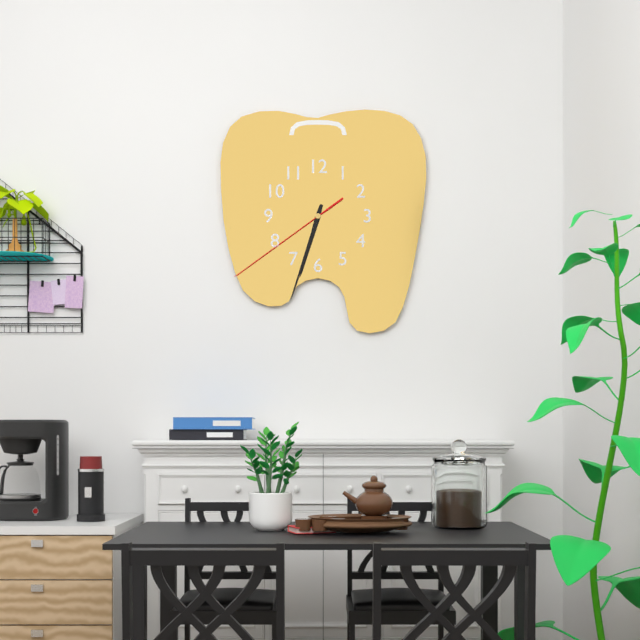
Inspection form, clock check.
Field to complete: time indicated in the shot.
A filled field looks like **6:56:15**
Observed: **6:33:39**
